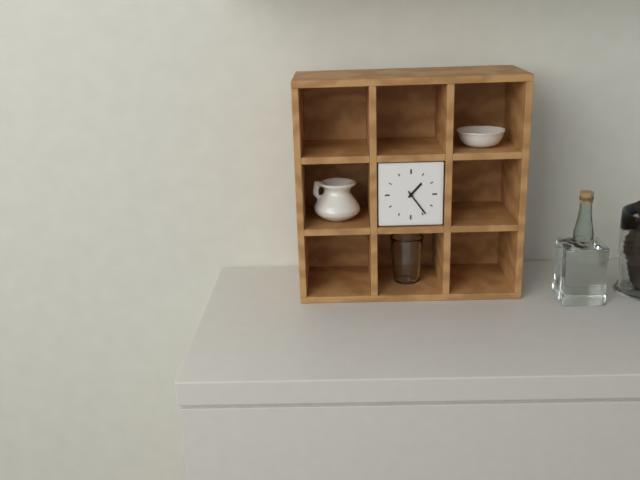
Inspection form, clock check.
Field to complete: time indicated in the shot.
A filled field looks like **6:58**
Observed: **1:24**
